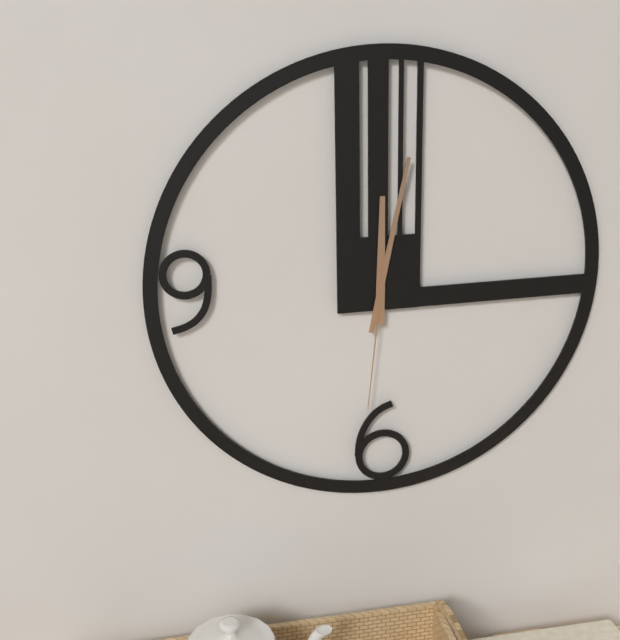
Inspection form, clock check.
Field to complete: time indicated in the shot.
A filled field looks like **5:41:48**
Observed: **12:02:31**
